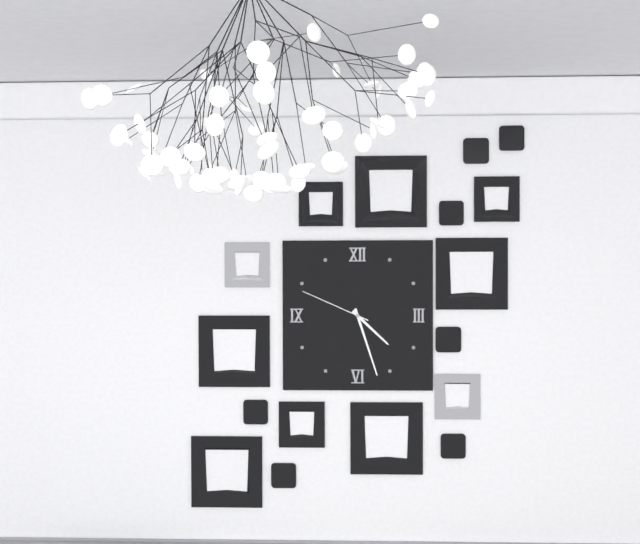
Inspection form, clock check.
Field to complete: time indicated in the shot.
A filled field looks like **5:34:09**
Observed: **4:27:49**
